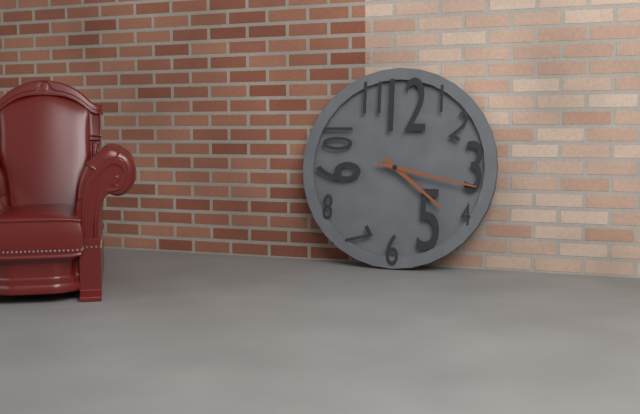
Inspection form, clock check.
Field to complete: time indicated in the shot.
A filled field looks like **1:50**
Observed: **4:17**
